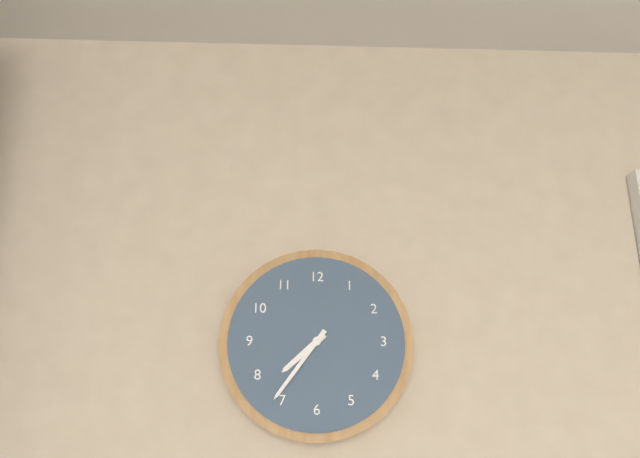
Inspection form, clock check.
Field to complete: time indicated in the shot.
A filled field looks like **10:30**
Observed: **7:36**
